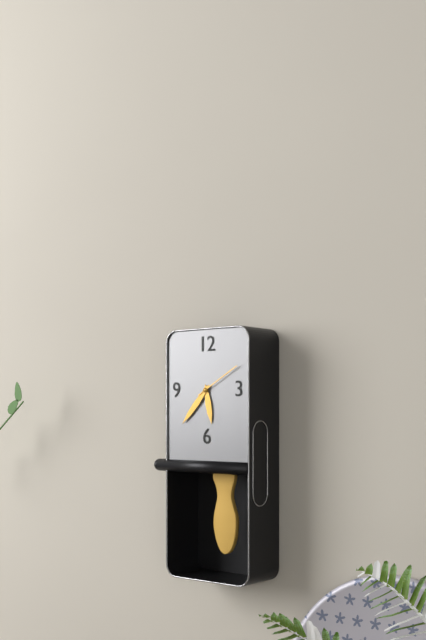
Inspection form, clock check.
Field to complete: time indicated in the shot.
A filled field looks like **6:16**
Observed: **5:37**
